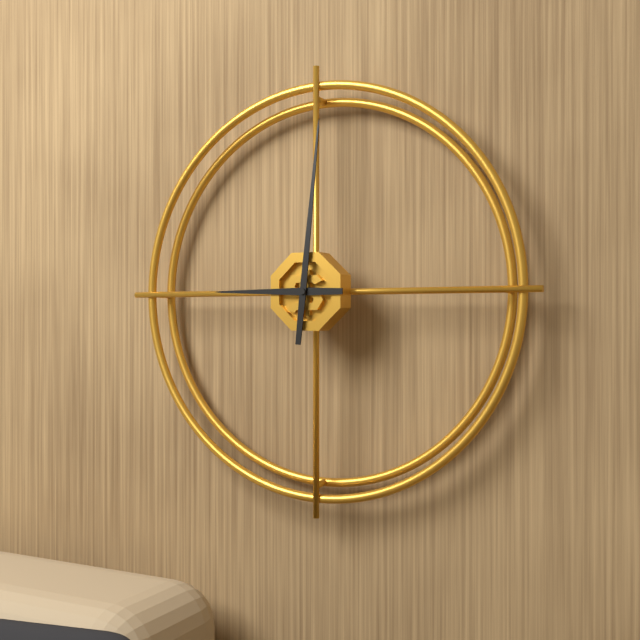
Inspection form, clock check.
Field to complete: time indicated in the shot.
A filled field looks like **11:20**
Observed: **9:01**
